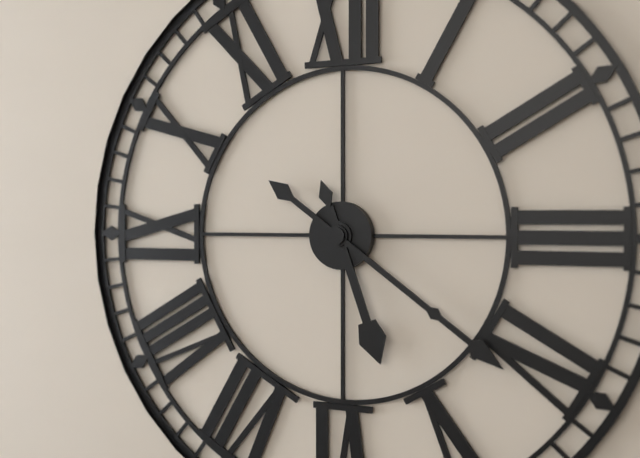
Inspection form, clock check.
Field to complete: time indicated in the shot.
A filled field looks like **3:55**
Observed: **5:21**
